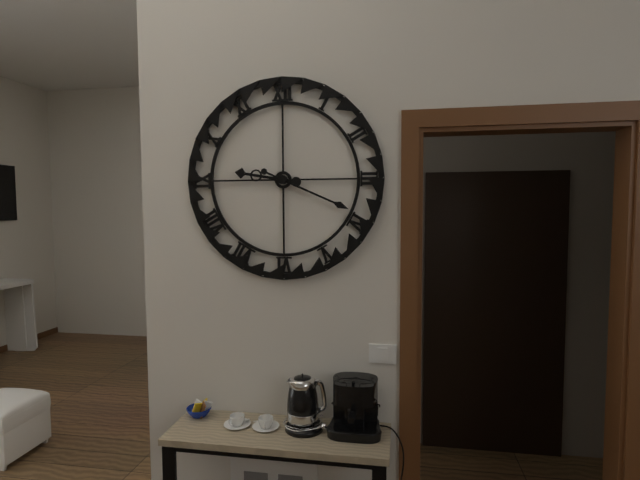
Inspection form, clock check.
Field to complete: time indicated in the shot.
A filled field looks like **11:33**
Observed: **9:19**
